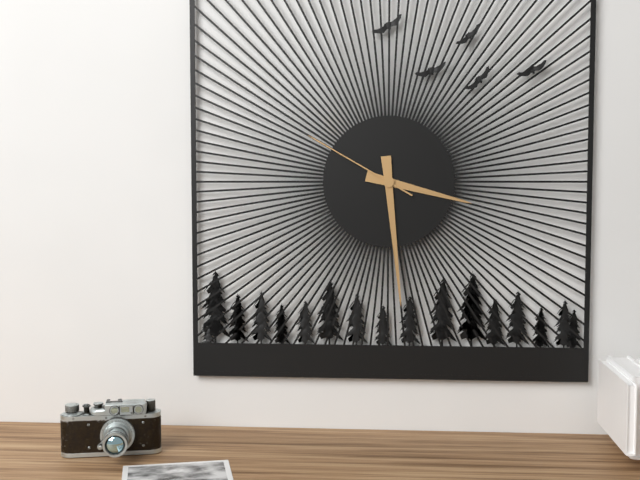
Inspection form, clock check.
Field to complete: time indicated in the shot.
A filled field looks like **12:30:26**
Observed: **3:29:50**
